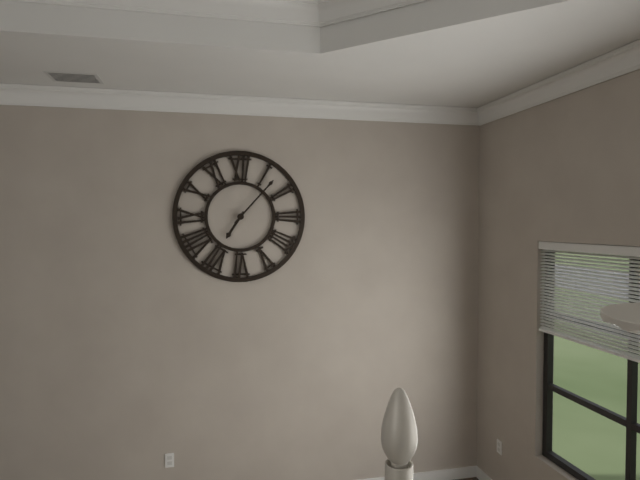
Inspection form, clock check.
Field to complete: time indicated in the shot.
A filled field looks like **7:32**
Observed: **7:07**
